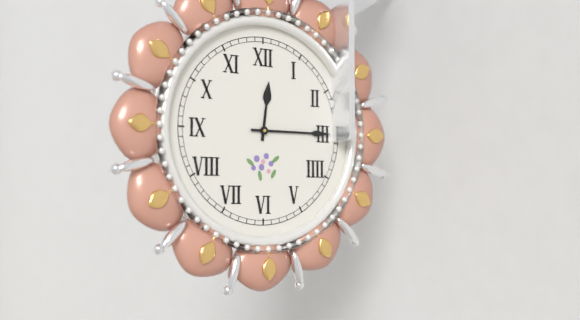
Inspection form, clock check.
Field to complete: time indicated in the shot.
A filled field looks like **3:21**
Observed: **12:15**
